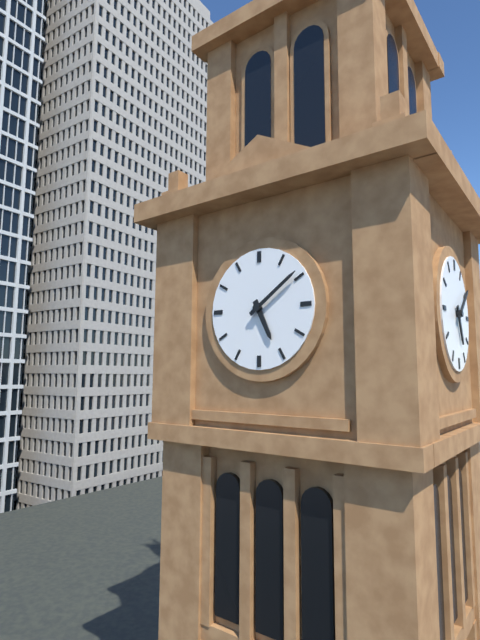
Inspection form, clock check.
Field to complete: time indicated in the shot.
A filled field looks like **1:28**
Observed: **5:09**
